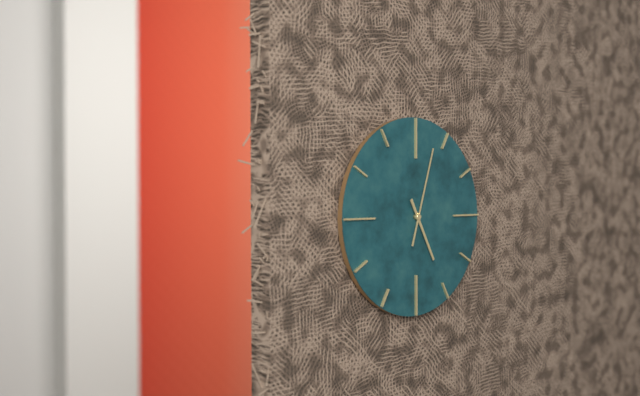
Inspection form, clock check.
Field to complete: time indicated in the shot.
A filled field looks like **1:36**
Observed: **5:03**
